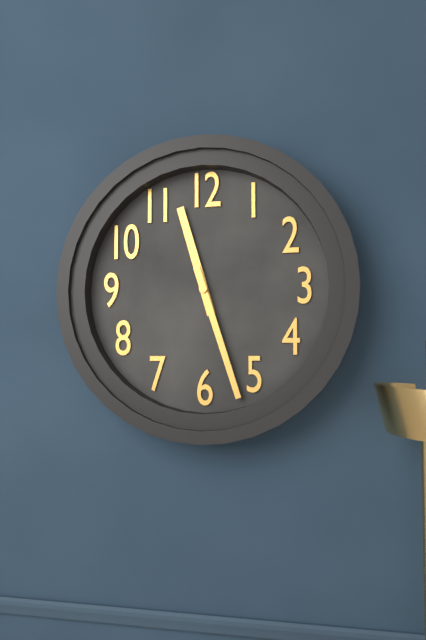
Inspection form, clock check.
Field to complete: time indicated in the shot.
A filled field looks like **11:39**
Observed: **11:27**
